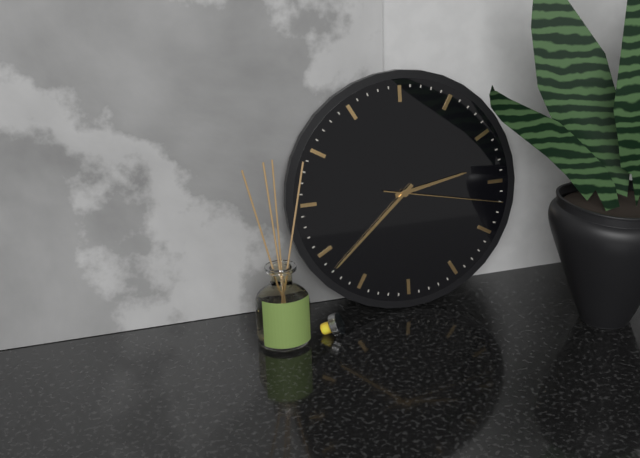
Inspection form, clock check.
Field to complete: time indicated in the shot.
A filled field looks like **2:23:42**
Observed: **2:38:17**
